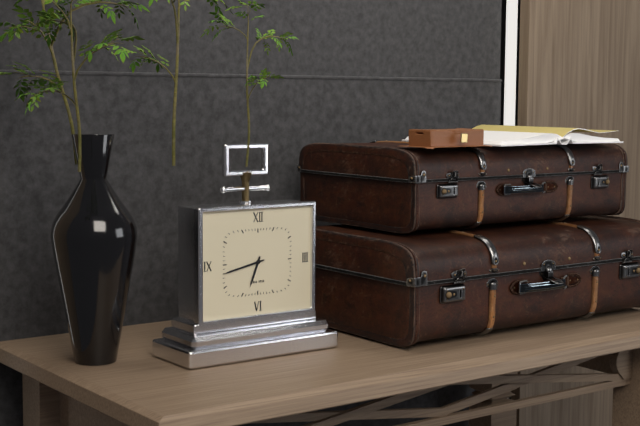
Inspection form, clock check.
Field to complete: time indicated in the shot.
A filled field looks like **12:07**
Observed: **6:43**
